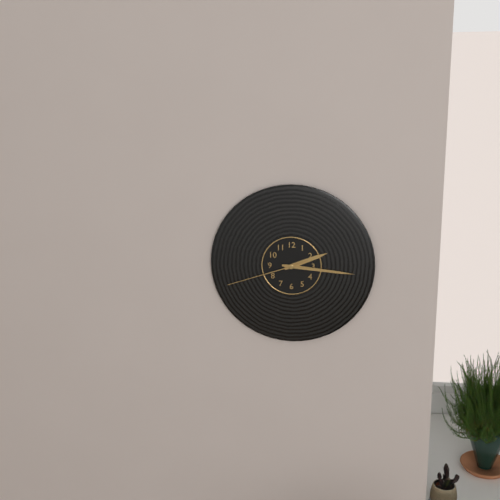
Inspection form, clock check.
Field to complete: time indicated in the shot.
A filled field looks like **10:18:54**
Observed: **2:16:42**
